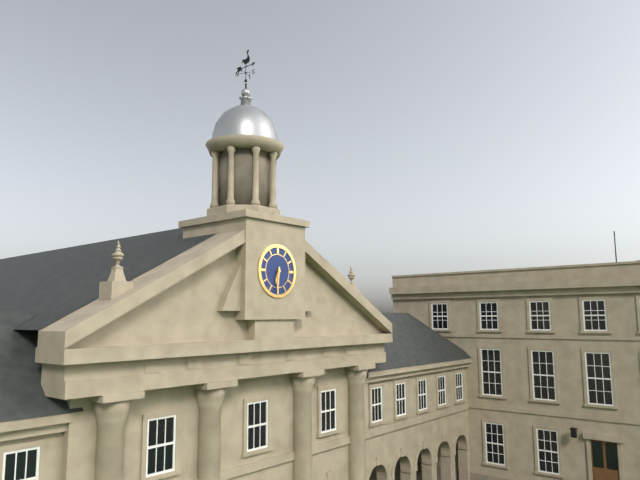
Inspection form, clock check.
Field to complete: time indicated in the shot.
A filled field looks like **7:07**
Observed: **6:31**
